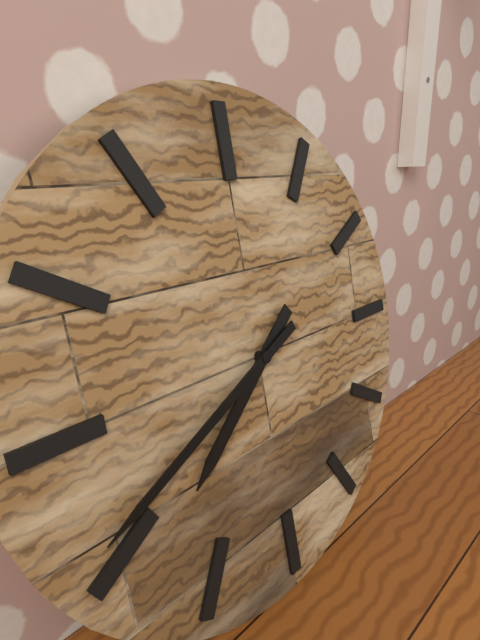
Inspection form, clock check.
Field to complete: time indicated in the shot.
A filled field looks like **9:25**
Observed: **7:41**
